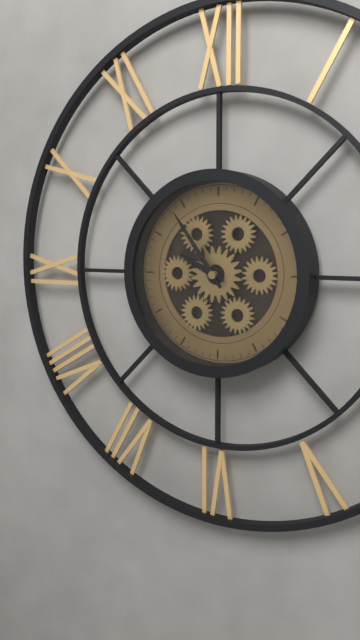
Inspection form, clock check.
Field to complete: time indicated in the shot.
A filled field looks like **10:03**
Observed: **9:54**
